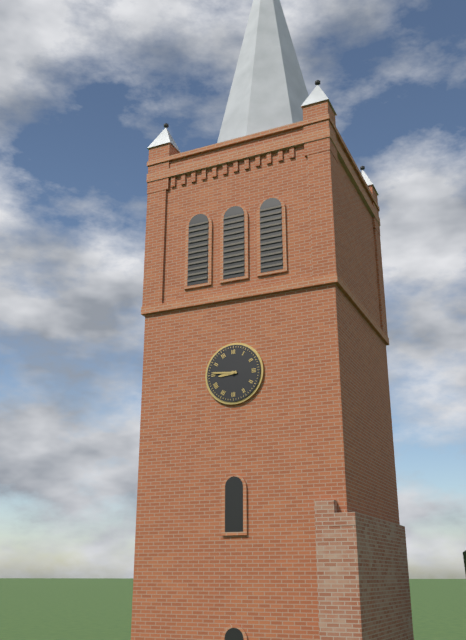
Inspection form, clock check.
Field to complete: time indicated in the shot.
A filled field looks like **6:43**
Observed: **8:46**
